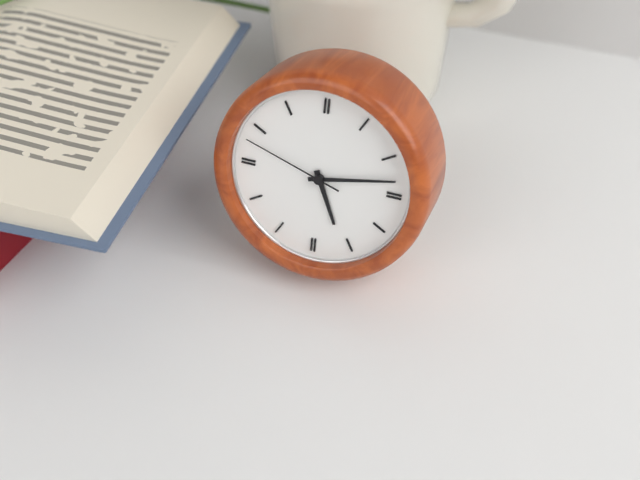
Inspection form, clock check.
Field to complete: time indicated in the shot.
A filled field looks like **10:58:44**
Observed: **5:13:48**
